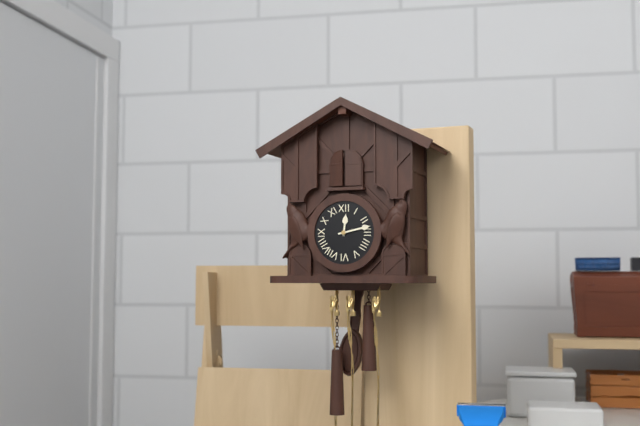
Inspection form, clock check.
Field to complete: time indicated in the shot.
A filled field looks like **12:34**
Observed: **12:13**
